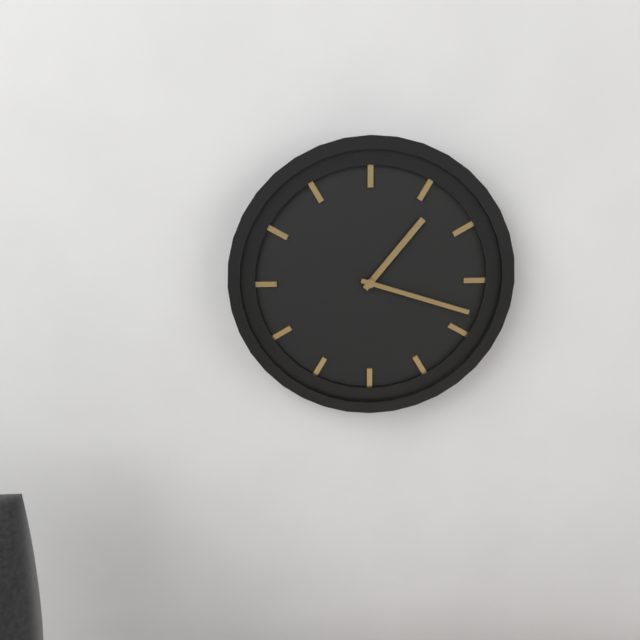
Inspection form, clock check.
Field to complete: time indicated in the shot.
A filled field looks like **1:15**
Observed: **1:18**
